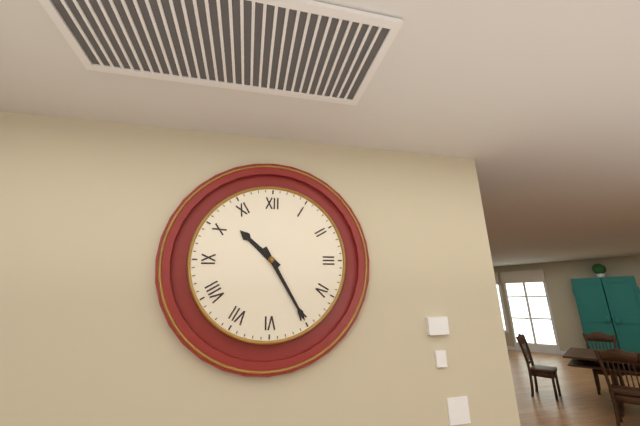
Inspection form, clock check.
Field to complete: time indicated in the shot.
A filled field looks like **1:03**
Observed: **10:25**
